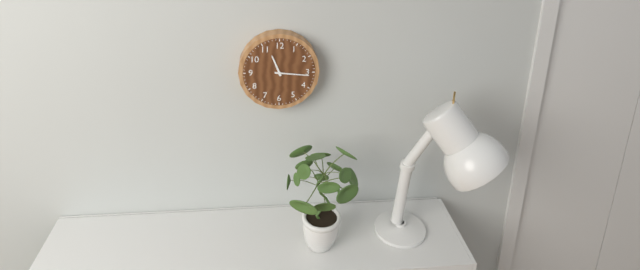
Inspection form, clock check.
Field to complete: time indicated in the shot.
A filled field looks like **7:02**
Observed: **11:16**
